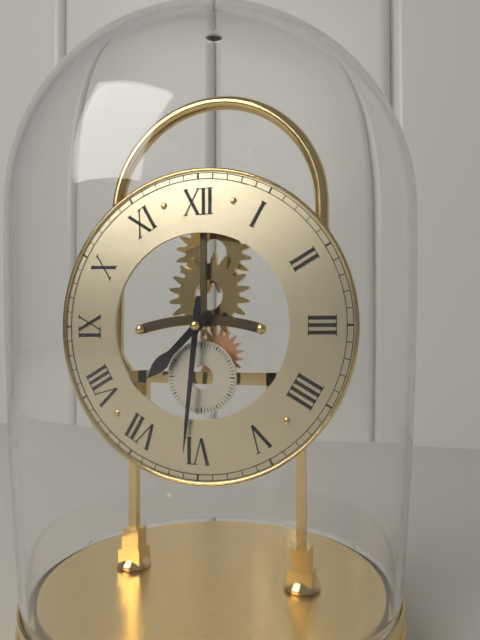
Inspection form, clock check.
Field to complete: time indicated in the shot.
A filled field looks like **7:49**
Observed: **7:31**
